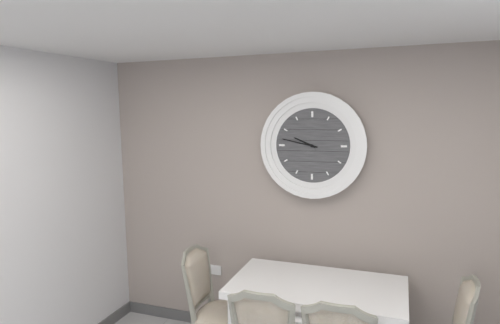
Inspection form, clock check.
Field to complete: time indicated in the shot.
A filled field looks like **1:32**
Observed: **9:47**
